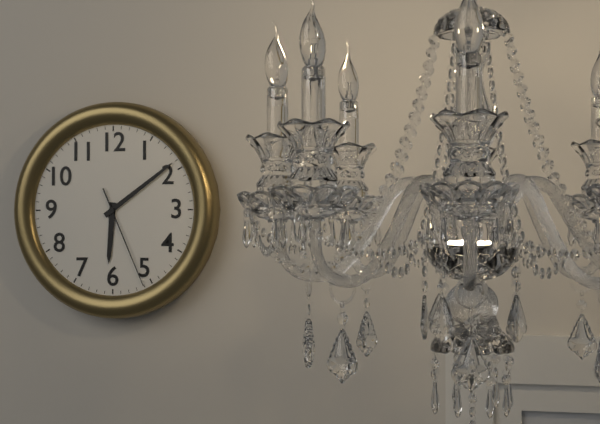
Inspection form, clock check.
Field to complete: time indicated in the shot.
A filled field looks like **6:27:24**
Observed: **6:09:26**
